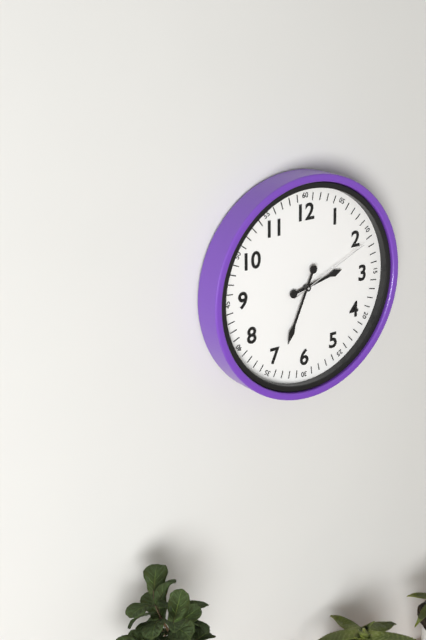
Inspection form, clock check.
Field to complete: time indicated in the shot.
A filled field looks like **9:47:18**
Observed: **2:34:11**
